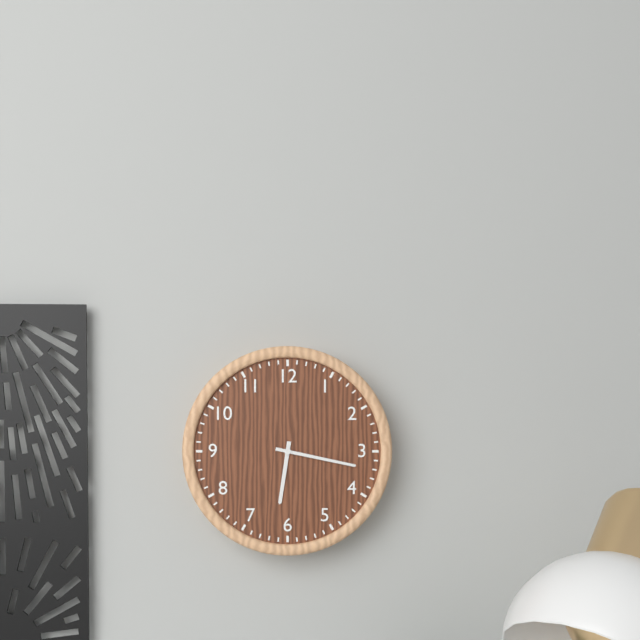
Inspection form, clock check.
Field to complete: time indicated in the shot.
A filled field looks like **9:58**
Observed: **6:17**
